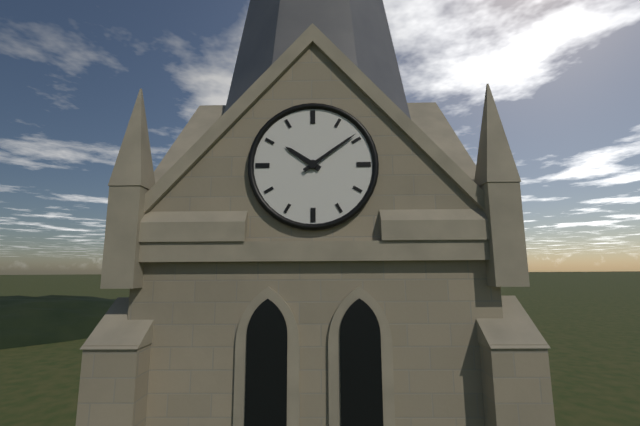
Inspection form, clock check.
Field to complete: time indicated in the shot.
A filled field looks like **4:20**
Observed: **10:09**
